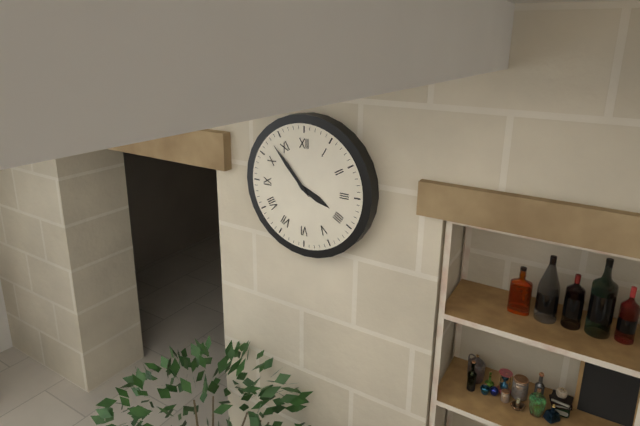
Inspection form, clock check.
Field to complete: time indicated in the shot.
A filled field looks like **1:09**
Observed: **3:53**
